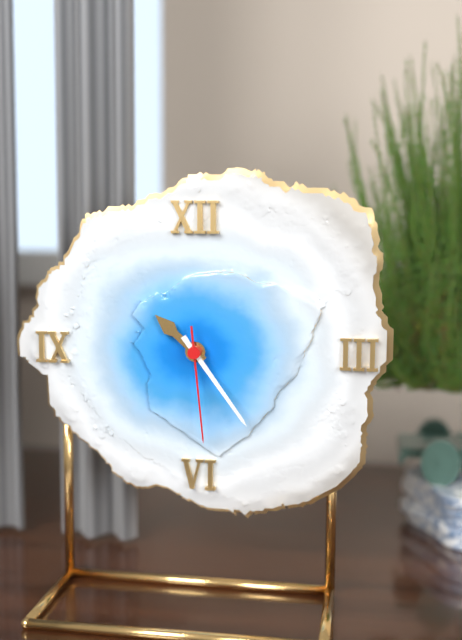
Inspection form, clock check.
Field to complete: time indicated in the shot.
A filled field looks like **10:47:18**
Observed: **10:24:29**
